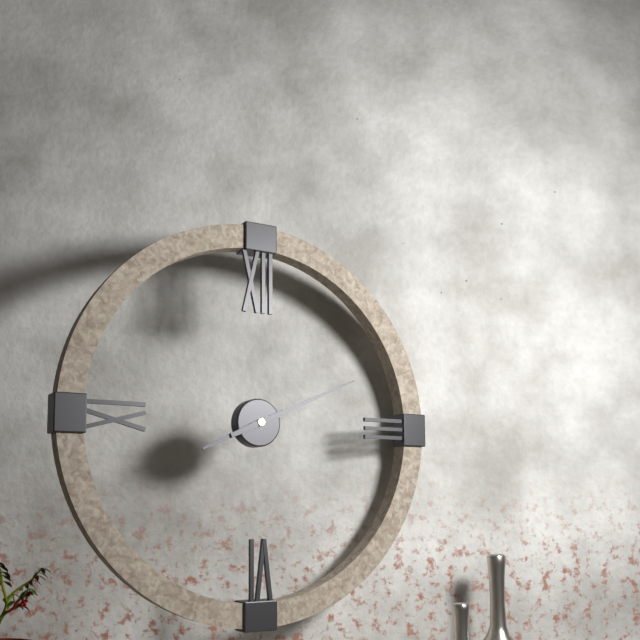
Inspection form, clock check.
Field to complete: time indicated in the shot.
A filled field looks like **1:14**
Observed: **8:11**
